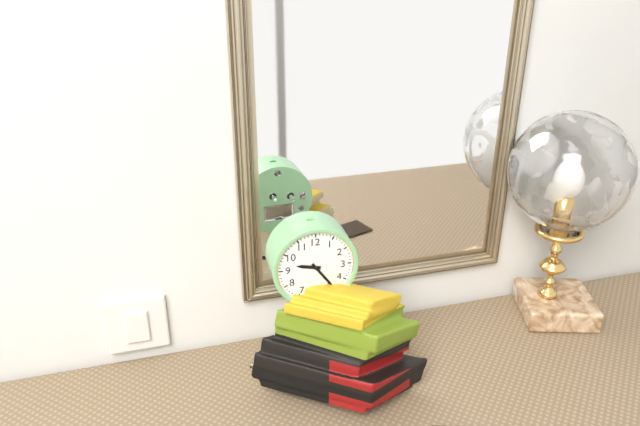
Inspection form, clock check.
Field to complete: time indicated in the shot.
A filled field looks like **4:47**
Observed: **9:24**
